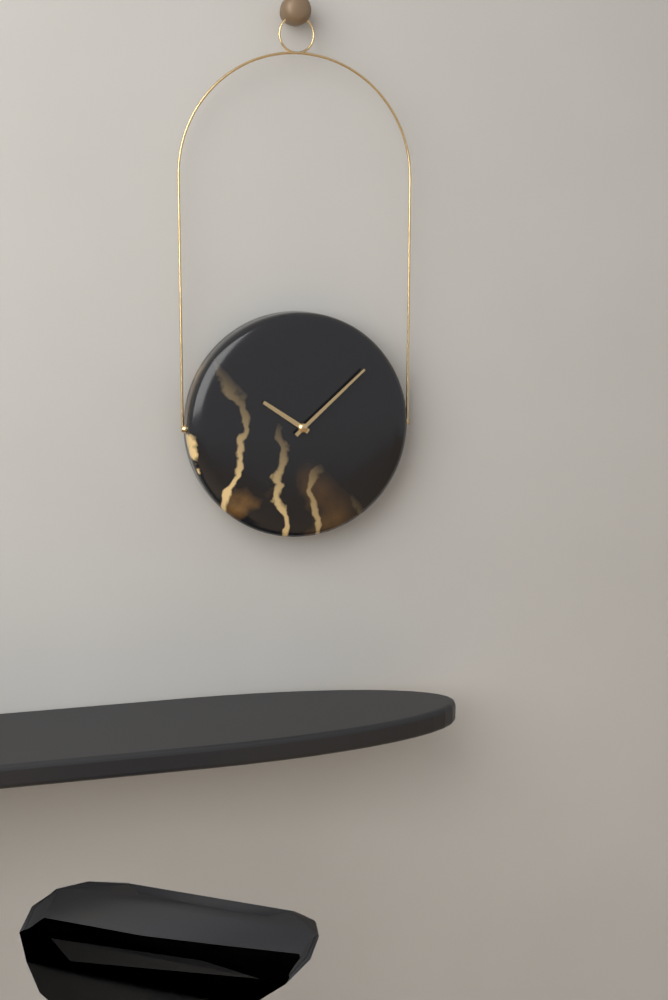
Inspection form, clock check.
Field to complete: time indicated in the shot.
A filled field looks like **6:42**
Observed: **10:08**
